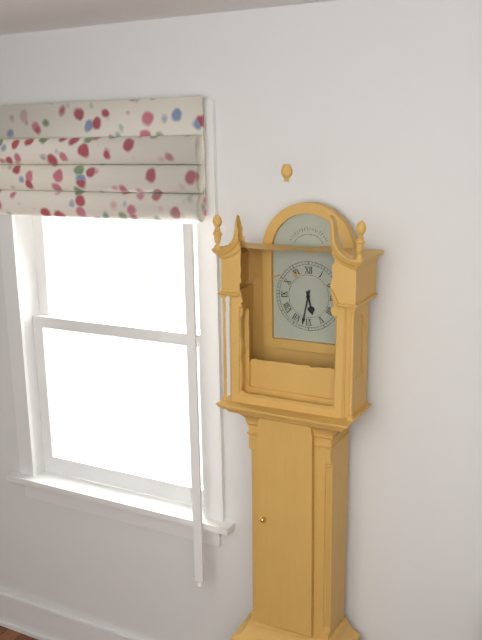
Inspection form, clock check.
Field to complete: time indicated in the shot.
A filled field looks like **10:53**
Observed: **5:32**
